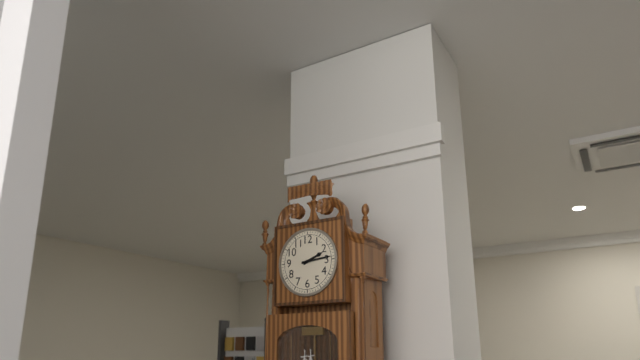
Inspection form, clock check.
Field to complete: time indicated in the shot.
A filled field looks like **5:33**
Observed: **2:14**
